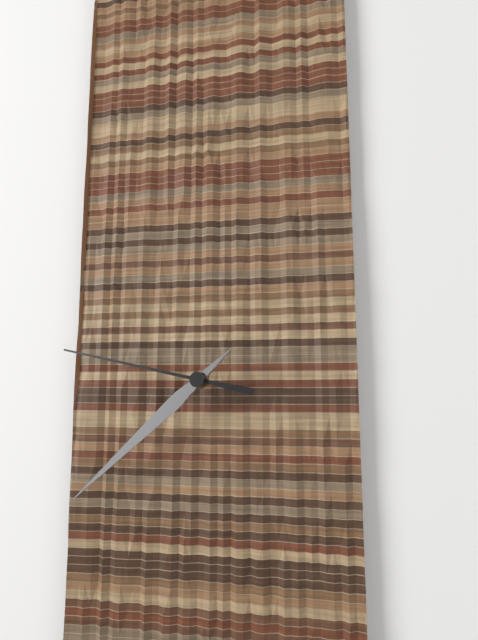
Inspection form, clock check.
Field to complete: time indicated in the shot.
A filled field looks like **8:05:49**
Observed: **7:38:47**
